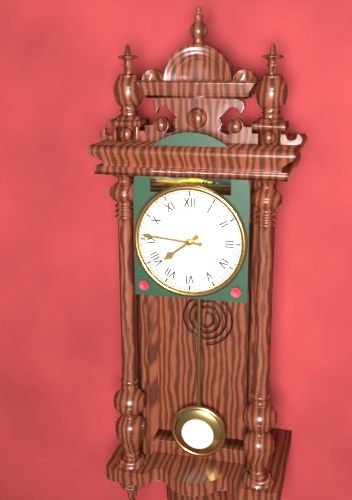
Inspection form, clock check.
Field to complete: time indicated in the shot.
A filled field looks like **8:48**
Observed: **7:46**
